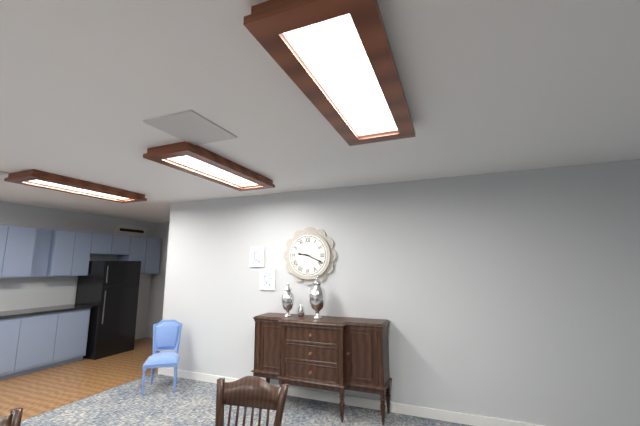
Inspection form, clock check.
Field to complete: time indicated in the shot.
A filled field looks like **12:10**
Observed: **9:19**
